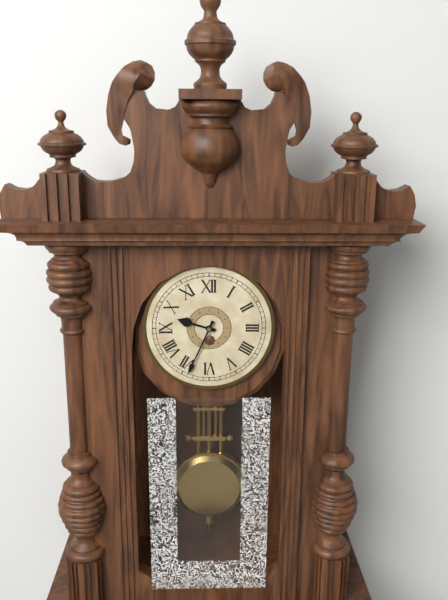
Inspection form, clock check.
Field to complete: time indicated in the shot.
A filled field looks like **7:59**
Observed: **9:34**
